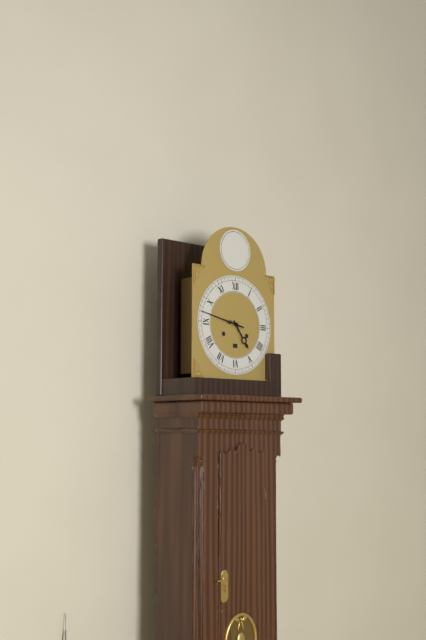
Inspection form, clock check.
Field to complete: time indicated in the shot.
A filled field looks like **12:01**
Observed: **4:47**
